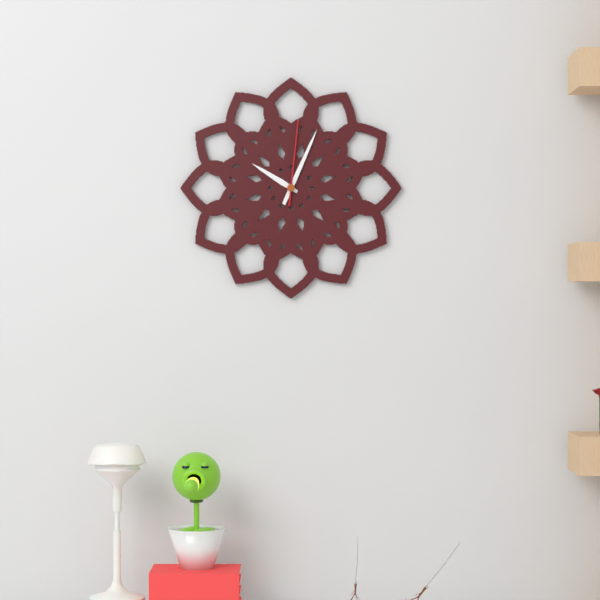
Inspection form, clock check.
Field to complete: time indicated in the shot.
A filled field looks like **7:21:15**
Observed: **10:04:01**
